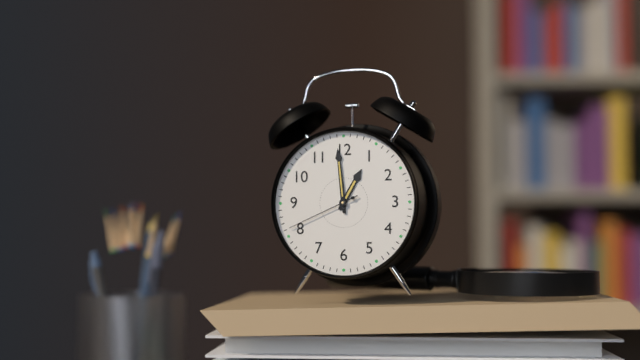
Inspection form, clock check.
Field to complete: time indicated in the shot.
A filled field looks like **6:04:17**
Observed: **12:59:41**
